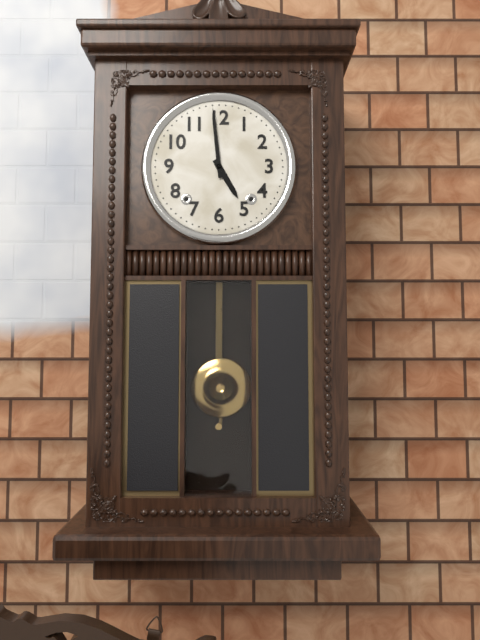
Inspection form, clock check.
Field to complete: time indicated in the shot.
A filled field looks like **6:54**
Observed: **4:59**
